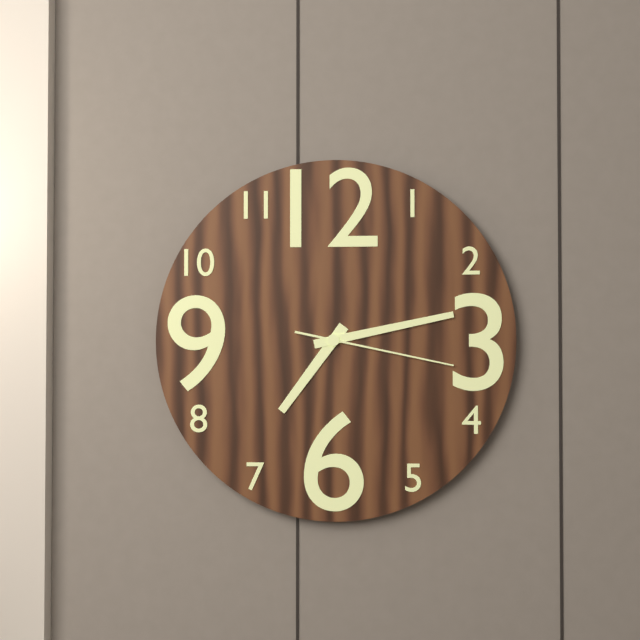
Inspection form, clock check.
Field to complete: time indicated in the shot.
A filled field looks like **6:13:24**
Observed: **7:13:17**
